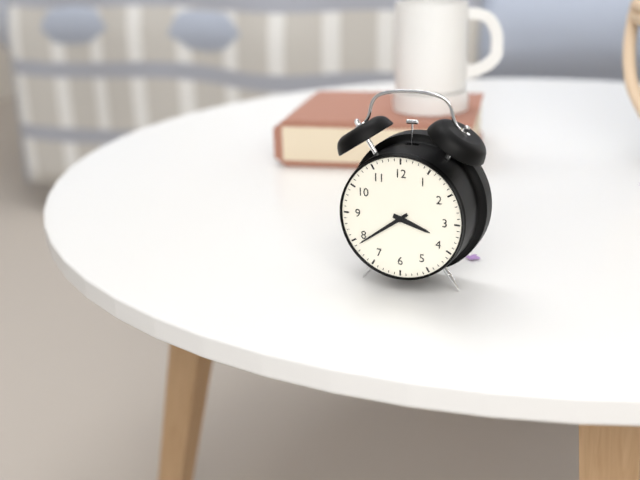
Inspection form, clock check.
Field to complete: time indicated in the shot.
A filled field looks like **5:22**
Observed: **3:39**
